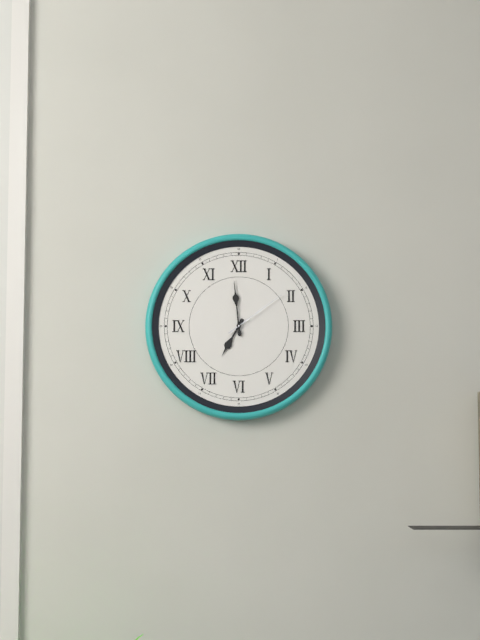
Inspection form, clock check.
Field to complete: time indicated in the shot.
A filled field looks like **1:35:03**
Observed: **6:59:09**
